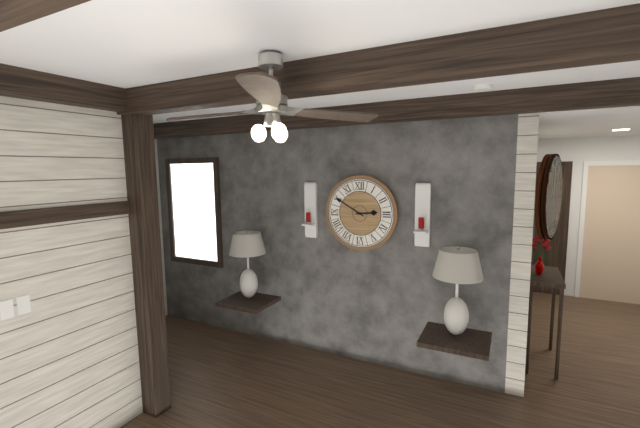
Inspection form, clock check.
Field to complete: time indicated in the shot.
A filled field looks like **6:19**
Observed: **2:50**
